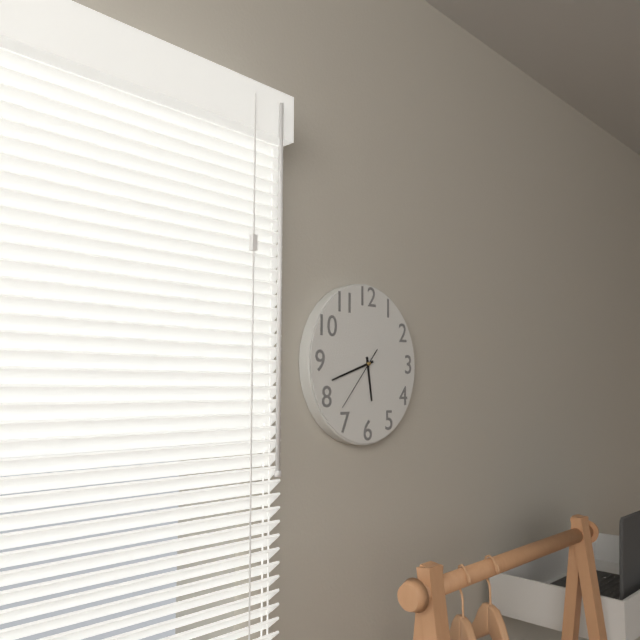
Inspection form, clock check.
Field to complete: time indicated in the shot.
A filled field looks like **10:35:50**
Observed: **5:42:37**
